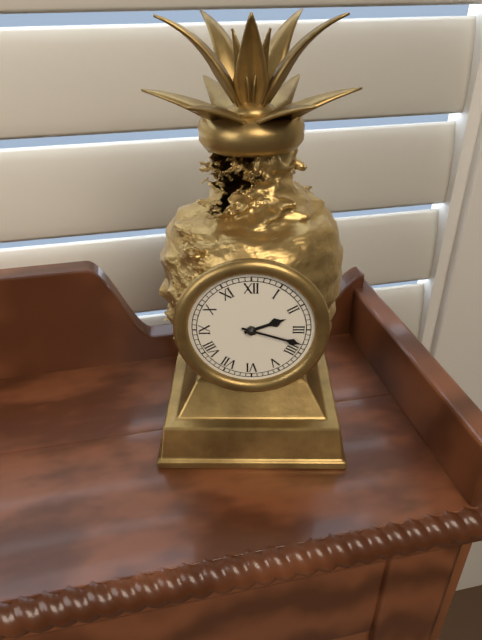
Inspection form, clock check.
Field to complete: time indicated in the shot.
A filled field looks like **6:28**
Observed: **2:18**
